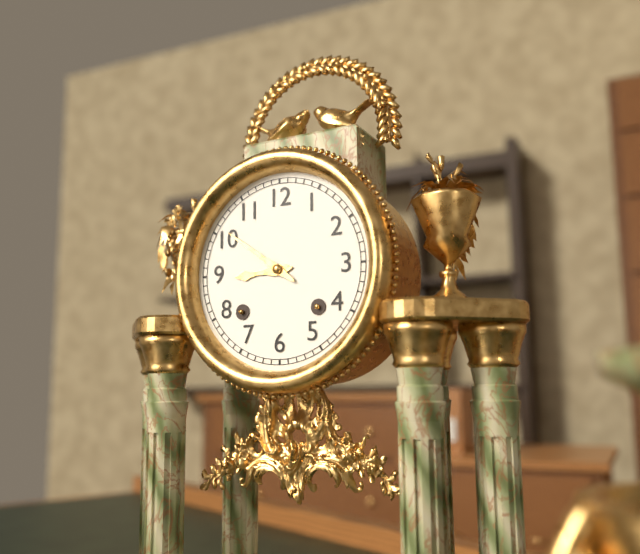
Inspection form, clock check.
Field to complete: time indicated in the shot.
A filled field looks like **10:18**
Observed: **8:51**
